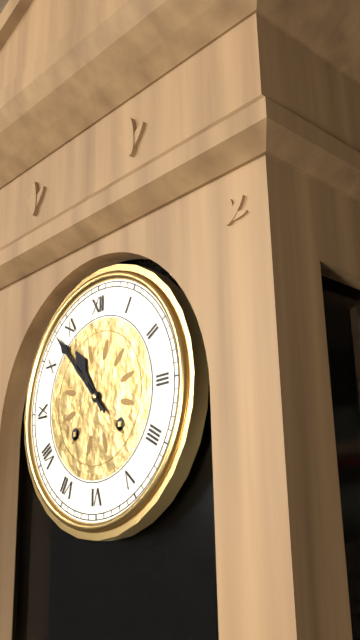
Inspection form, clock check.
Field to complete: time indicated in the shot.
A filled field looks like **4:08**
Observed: **10:53**
